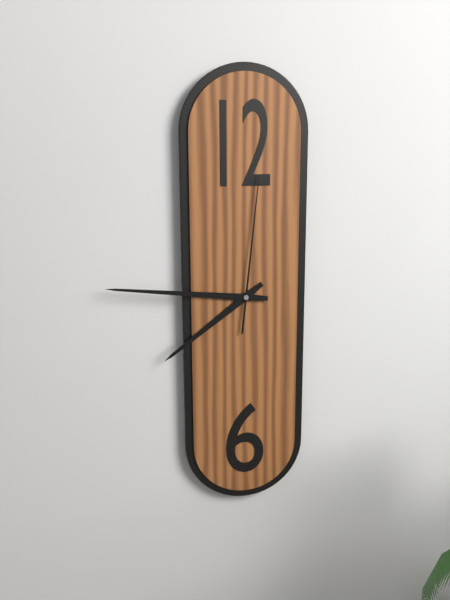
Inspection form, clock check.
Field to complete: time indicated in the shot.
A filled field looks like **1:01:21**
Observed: **7:46:01**
